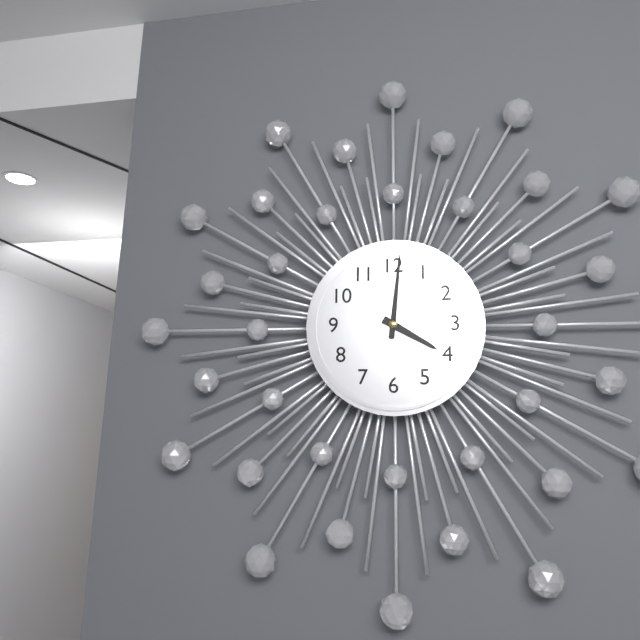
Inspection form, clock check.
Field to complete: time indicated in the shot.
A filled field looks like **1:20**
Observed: **4:01**
